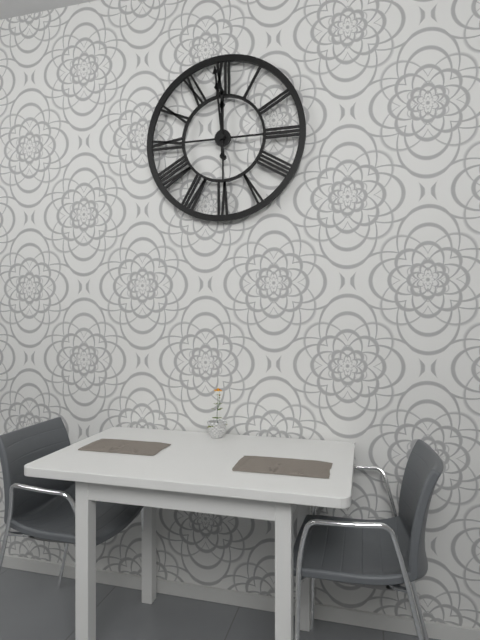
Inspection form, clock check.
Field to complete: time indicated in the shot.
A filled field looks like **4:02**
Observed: **11:59**
